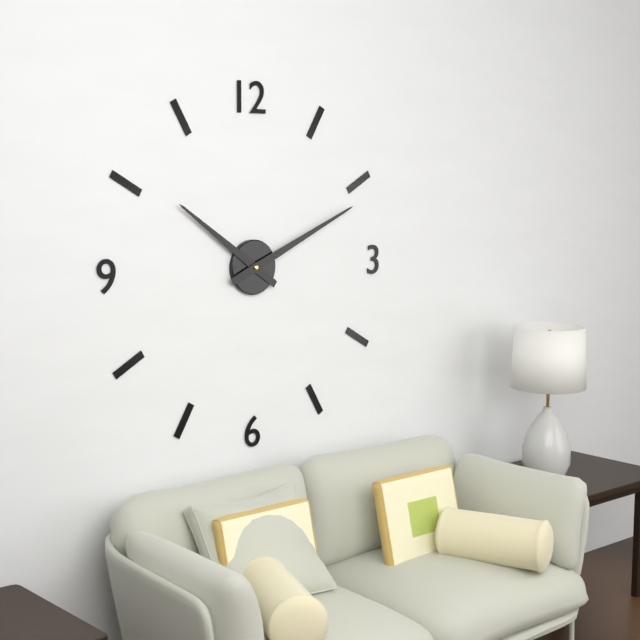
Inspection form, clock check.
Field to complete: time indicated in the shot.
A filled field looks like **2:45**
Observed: **10:11**
